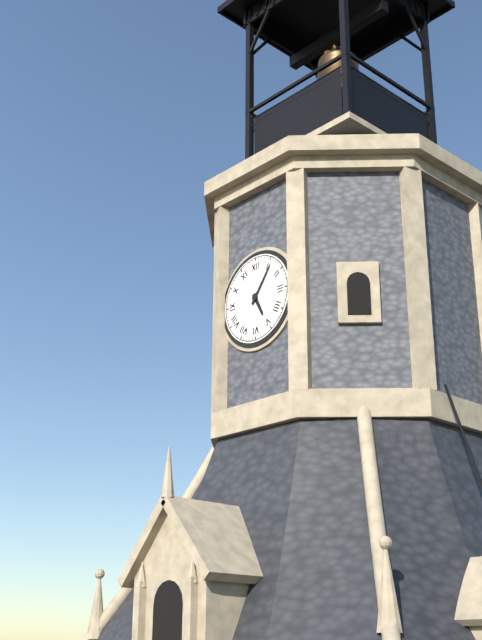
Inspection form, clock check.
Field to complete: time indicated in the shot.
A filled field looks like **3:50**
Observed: **5:06**
